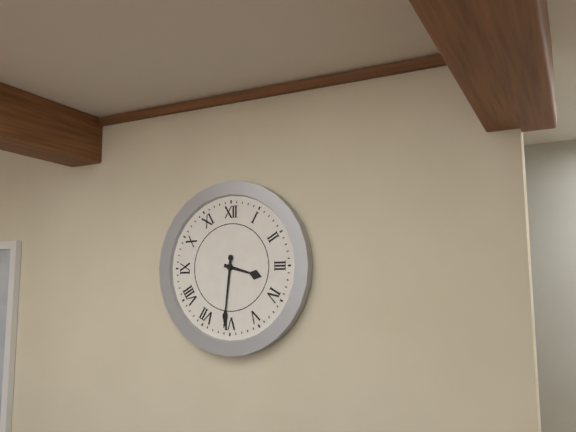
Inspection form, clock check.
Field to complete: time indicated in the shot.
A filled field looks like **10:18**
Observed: **3:31**
